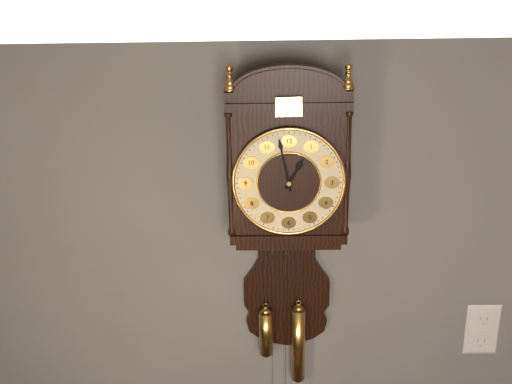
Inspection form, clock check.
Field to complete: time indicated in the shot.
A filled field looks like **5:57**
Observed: **12:58**
